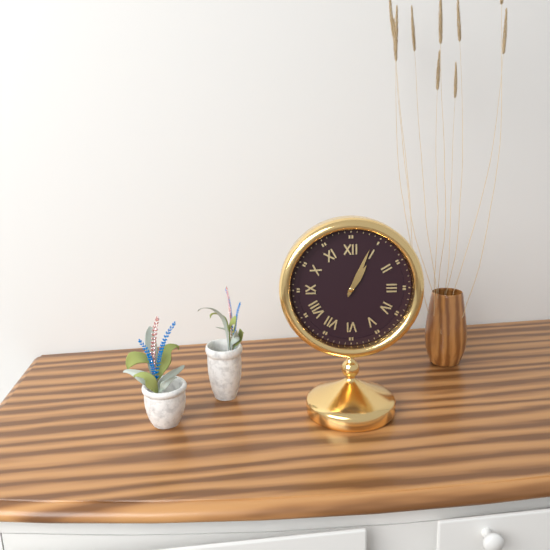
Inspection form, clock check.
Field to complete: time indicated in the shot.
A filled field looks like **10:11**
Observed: **1:04**
